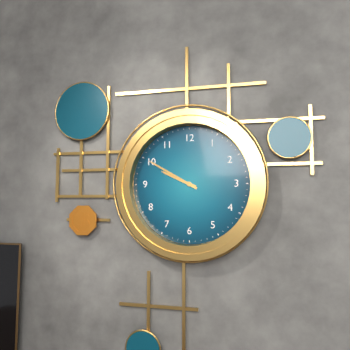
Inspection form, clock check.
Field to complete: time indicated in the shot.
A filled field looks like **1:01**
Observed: **9:50**
